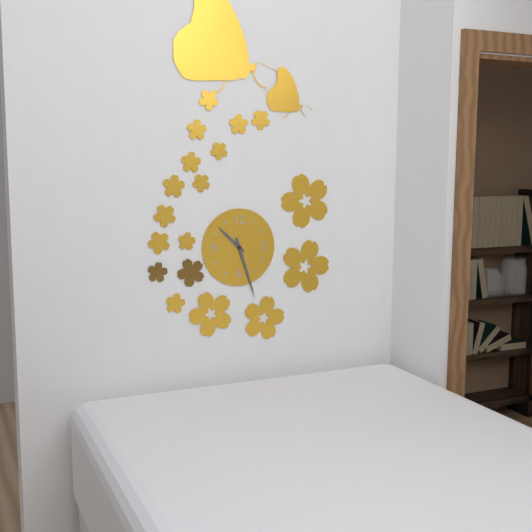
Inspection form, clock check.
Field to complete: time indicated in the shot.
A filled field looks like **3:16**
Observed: **10:27**
